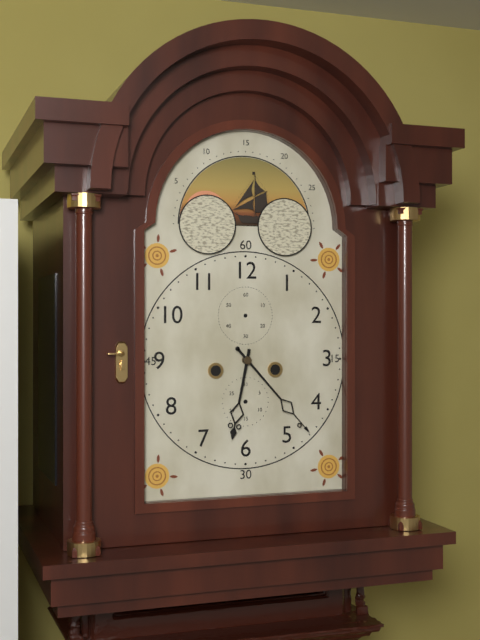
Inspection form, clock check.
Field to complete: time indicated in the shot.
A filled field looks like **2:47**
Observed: **6:23**
